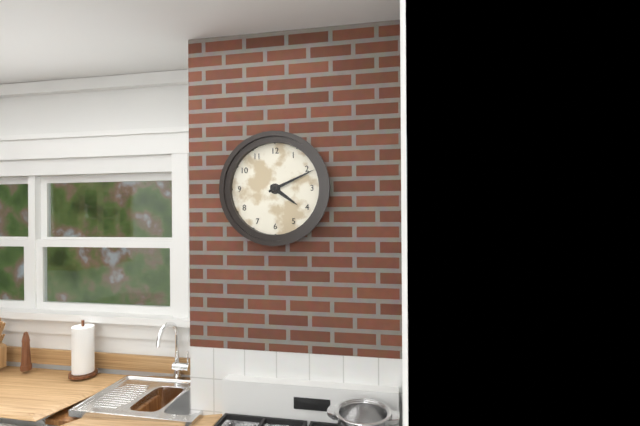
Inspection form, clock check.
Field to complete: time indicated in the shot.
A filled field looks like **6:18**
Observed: **4:11**
